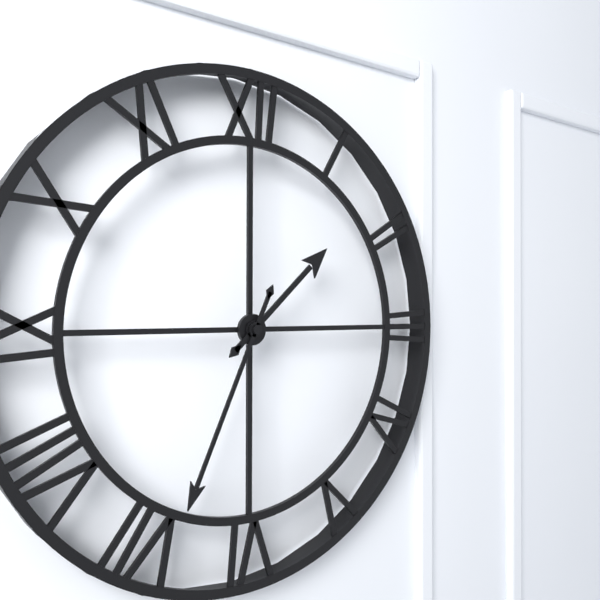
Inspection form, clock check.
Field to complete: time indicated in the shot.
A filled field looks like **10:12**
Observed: **1:34**
